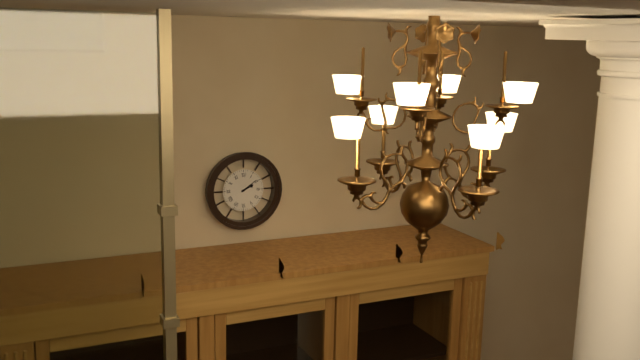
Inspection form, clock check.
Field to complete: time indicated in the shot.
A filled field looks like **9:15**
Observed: **2:09**
